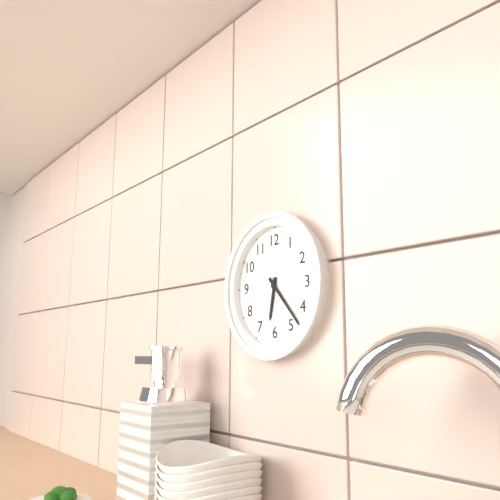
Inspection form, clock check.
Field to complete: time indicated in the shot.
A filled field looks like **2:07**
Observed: **6:23**
